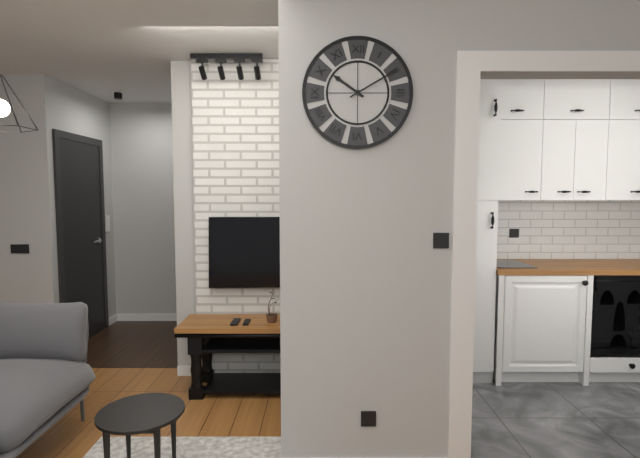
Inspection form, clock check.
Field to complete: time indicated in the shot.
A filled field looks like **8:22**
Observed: **10:10**
